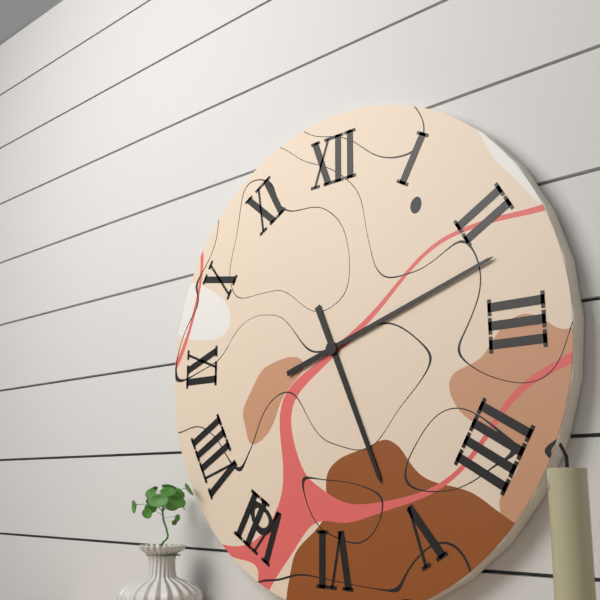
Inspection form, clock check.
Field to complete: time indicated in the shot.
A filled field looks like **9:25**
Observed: **5:12**
